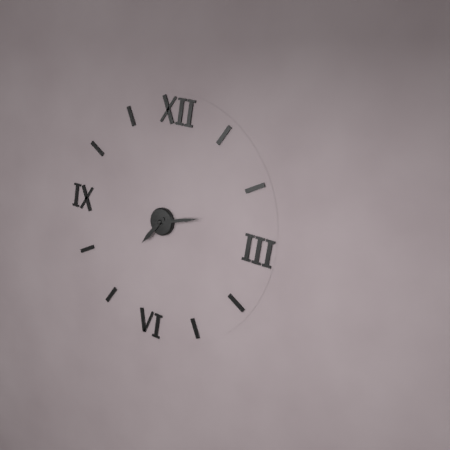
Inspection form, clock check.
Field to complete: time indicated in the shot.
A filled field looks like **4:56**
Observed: **7:12**
